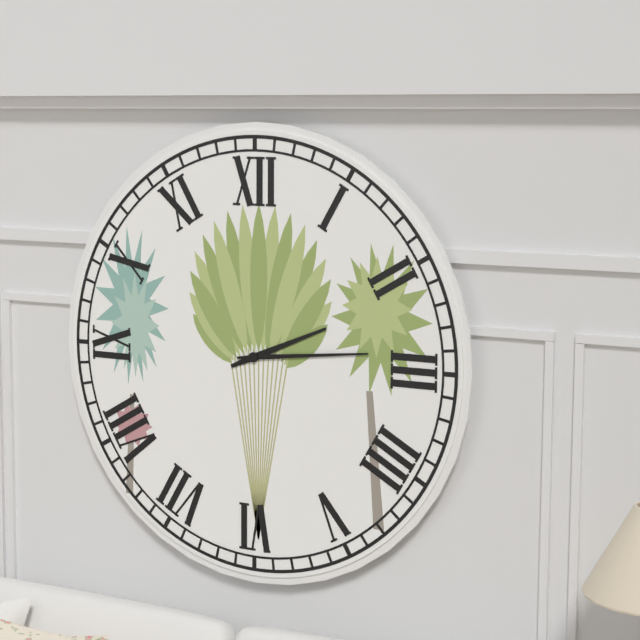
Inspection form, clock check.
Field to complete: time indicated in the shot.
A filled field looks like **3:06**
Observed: **2:14**
